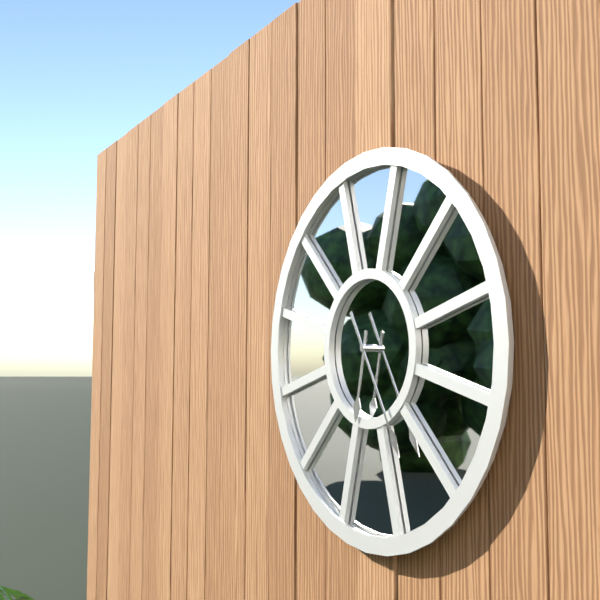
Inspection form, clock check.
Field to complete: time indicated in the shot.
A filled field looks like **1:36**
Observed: **6:25**
